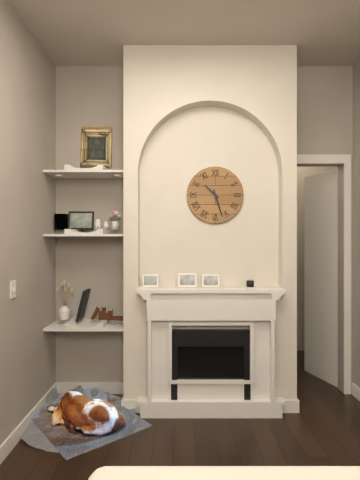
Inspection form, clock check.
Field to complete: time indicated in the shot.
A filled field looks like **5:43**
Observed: **10:27**
